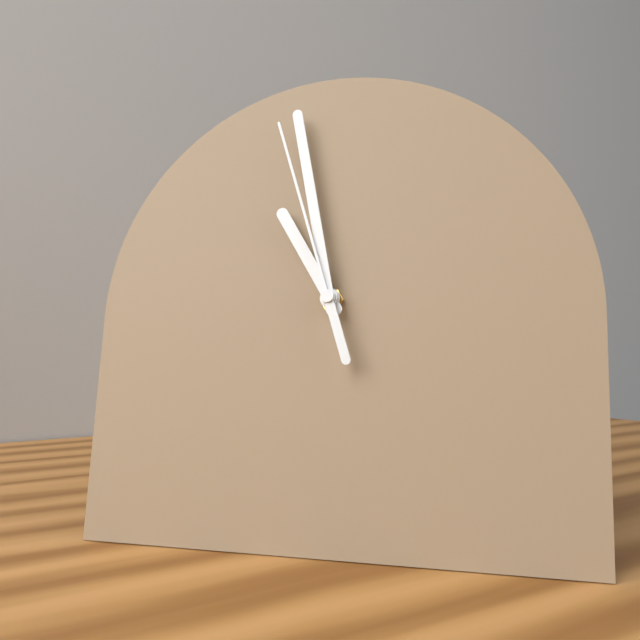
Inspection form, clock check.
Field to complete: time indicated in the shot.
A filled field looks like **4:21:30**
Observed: **10:58:57**
